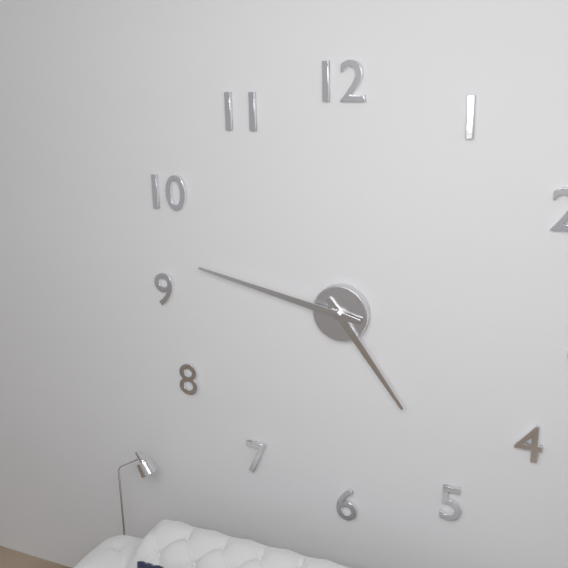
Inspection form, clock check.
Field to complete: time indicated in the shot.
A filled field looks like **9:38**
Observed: **4:47**
